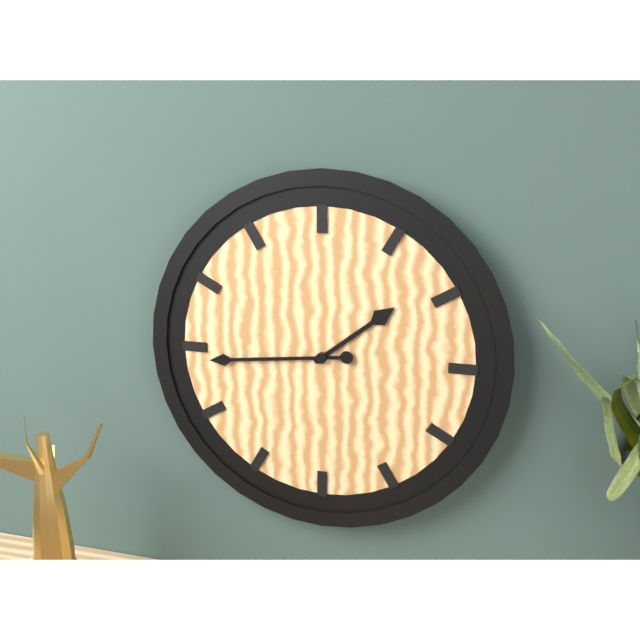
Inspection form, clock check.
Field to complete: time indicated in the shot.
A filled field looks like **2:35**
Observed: **1:44**
